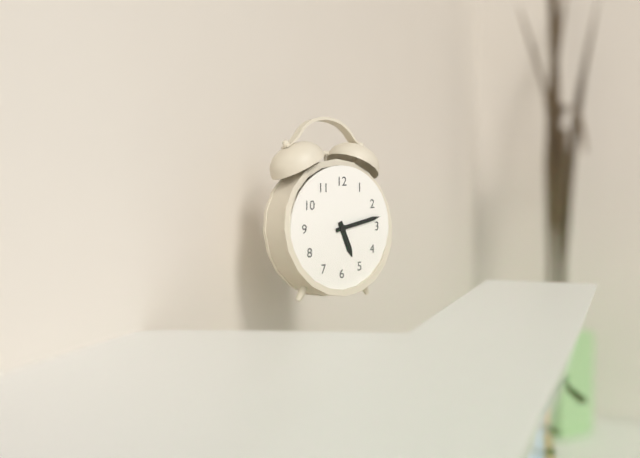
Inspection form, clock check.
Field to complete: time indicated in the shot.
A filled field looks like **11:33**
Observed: **5:13**
